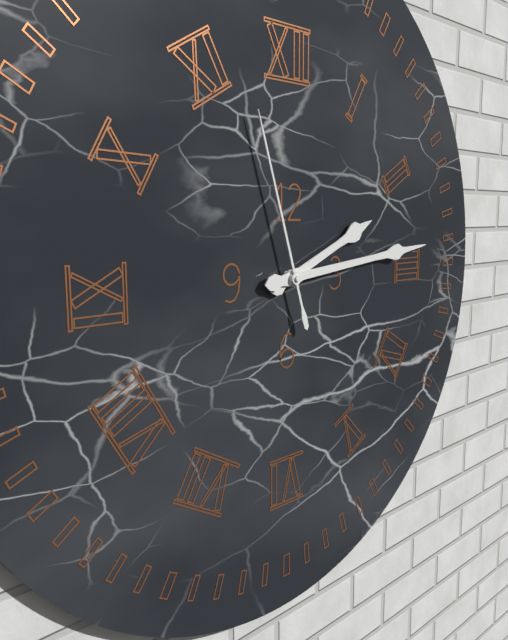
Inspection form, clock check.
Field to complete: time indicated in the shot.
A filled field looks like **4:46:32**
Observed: **2:14:57**
